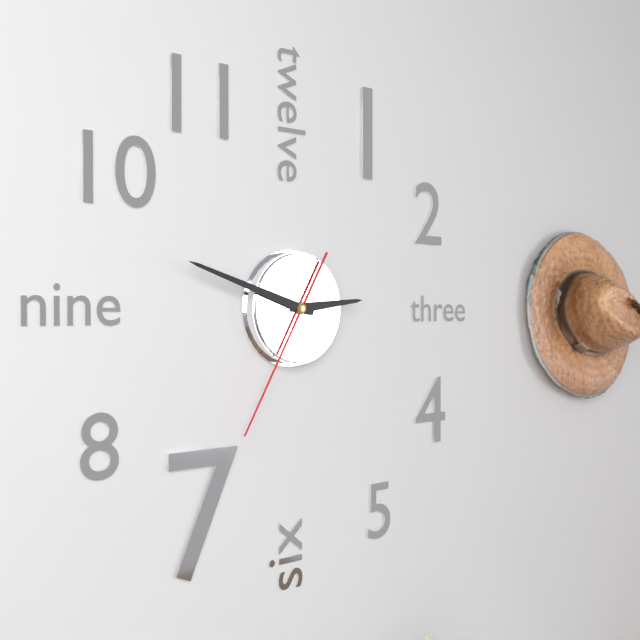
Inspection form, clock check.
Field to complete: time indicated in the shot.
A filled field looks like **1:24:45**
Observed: **2:48:35**
